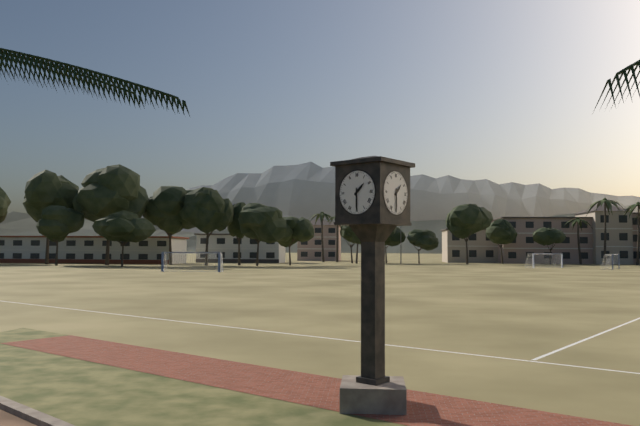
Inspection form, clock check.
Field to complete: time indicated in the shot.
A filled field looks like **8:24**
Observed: **1:30**
